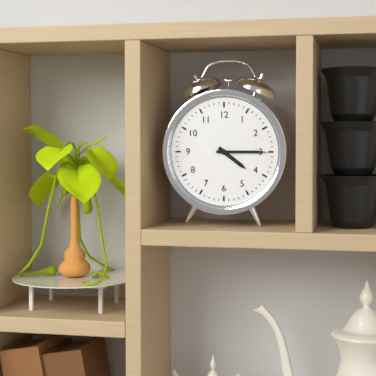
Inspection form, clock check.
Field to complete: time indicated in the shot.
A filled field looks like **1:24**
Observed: **4:15**
